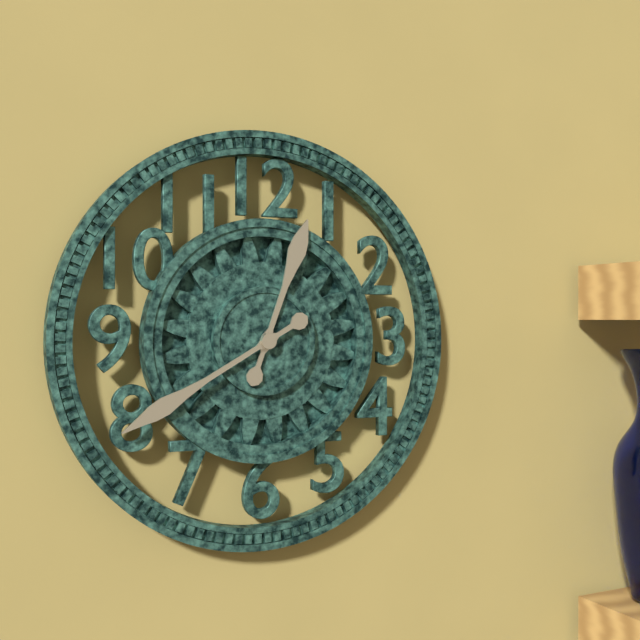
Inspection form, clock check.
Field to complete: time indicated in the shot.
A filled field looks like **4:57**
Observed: **12:40**
